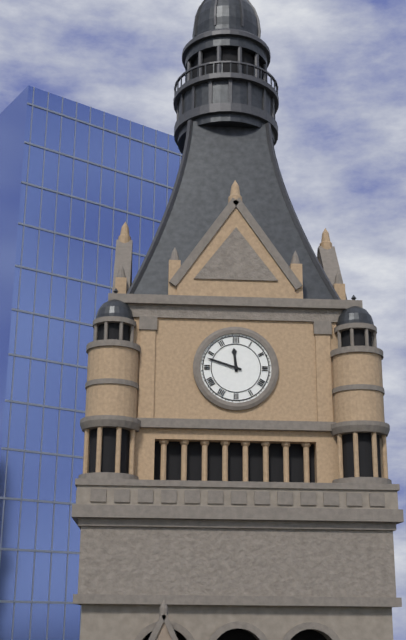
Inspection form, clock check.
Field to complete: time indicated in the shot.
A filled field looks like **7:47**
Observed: **11:48**
